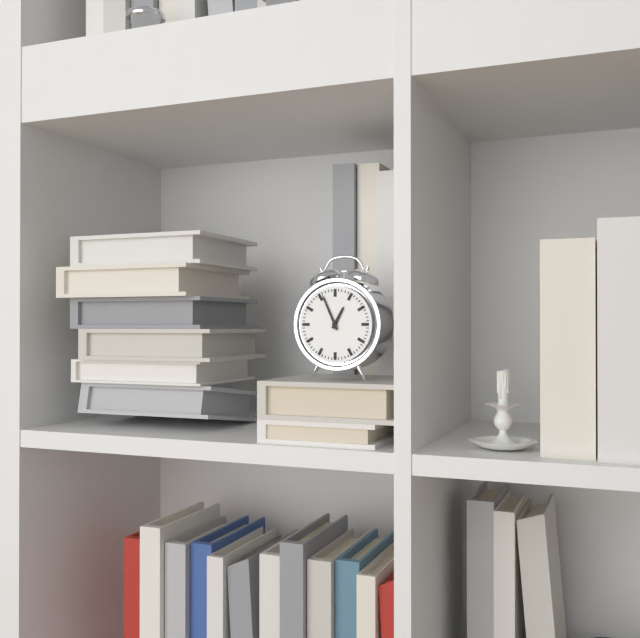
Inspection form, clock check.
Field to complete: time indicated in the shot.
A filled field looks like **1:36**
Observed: **12:56**
